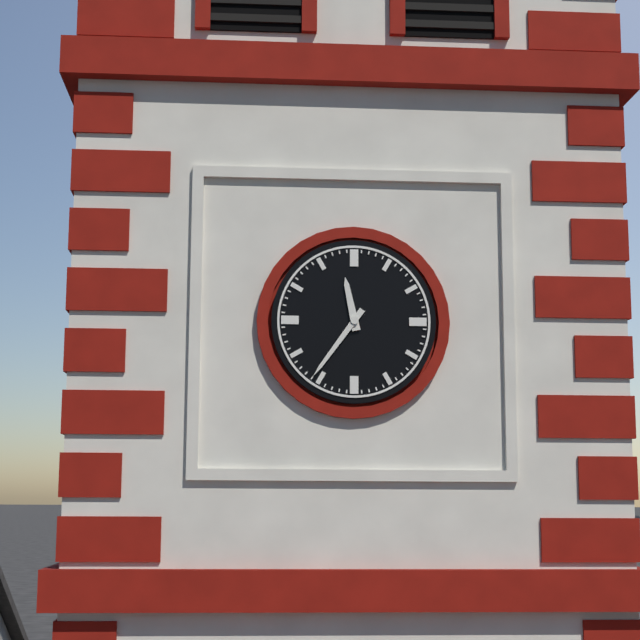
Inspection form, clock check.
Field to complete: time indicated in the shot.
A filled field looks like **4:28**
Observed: **11:36**
